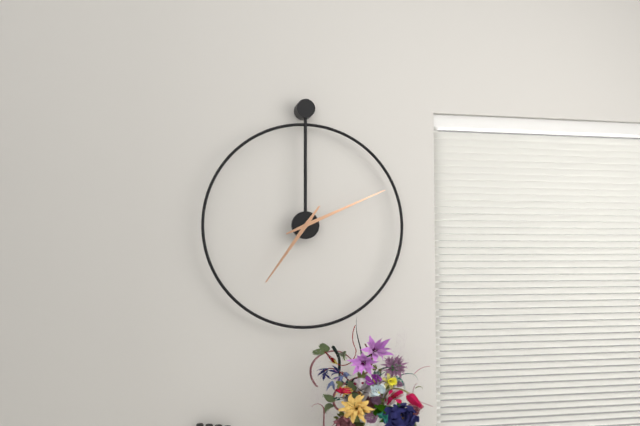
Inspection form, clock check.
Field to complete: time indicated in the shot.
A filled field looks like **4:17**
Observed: **7:11**
